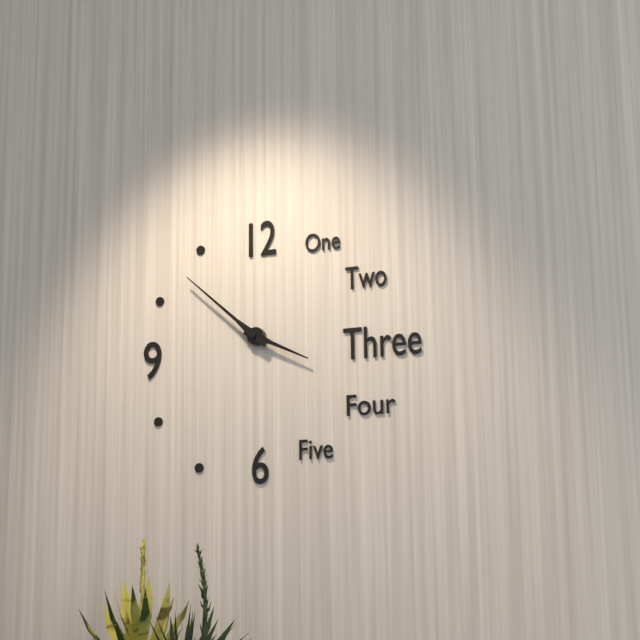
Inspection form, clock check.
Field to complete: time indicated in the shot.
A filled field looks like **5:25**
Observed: **3:52**
